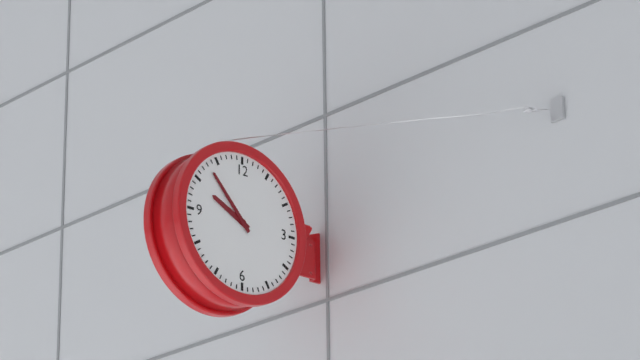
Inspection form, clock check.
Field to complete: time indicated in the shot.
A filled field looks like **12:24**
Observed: **9:53**
